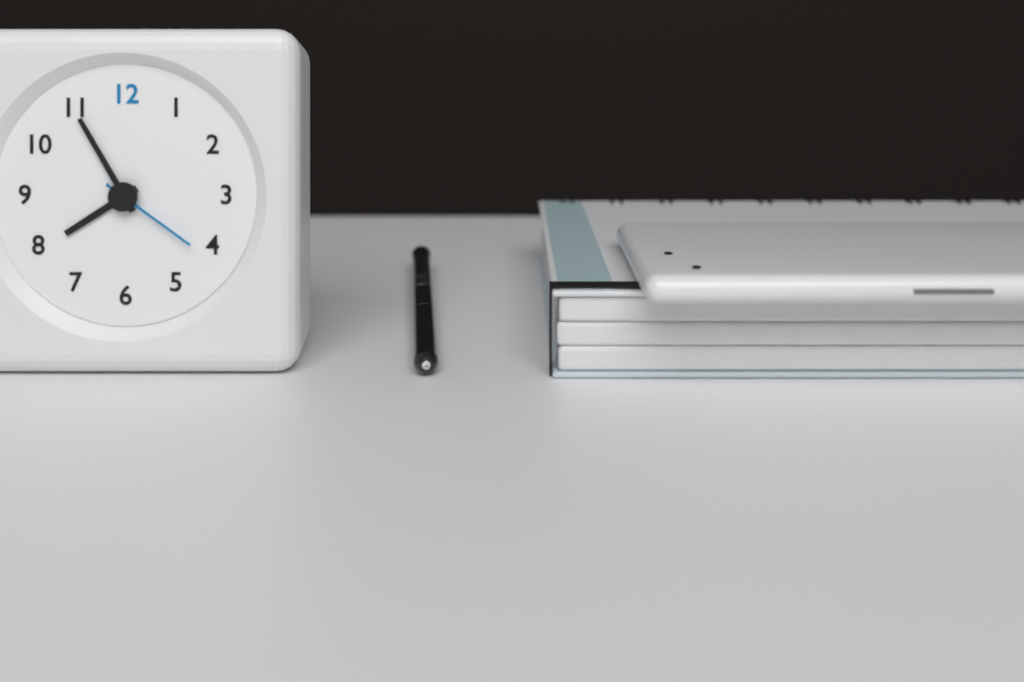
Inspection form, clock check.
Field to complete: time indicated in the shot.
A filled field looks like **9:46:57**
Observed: **7:55:21**
